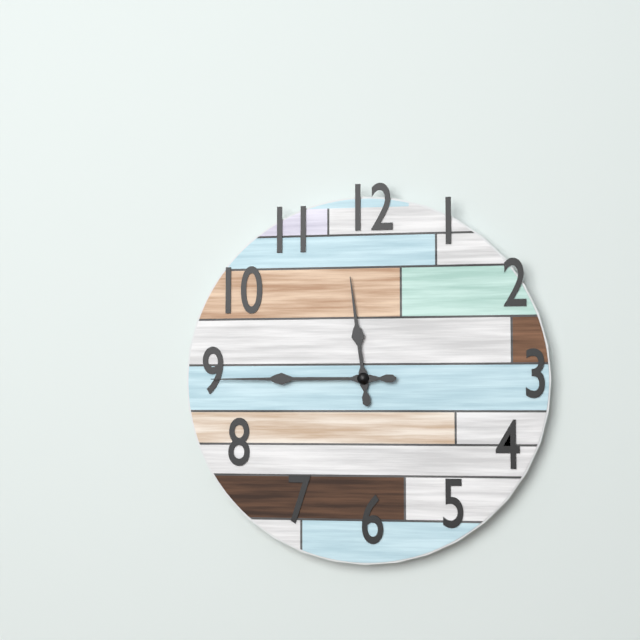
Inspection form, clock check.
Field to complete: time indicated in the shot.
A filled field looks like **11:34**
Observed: **11:45**
